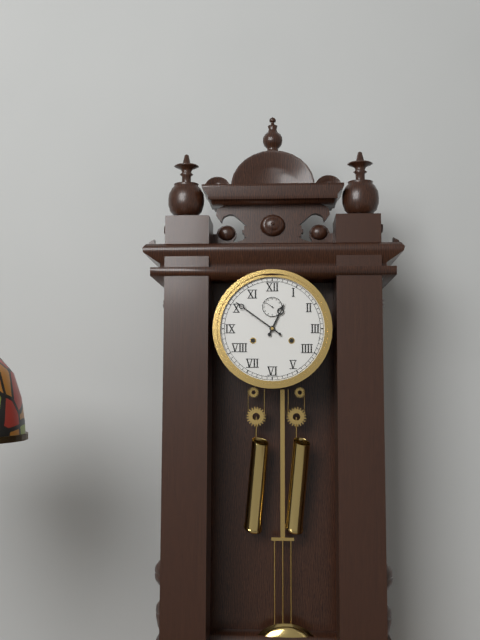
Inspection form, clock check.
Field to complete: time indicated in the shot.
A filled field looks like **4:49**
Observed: **12:51**
